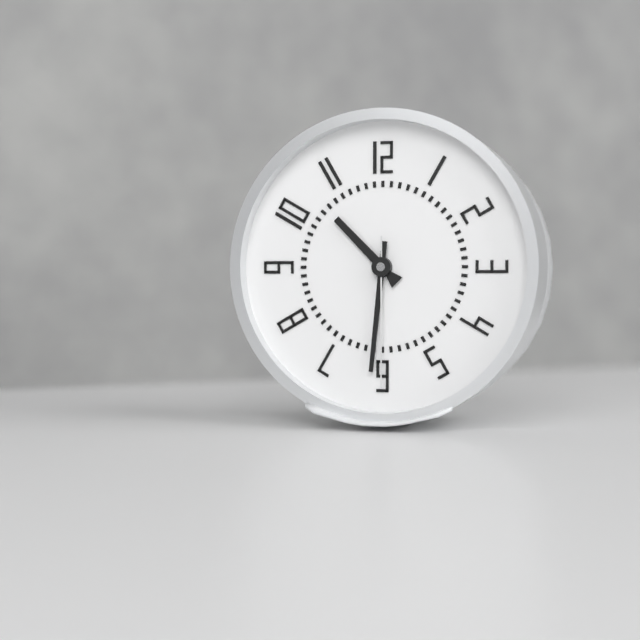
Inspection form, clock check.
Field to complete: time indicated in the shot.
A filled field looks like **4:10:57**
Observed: **10:31:30**
